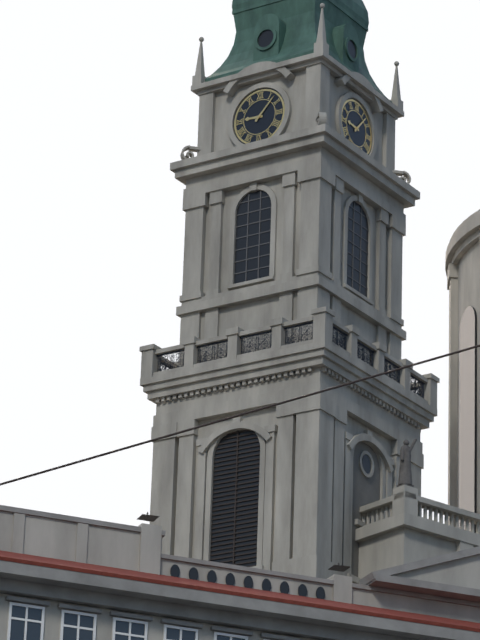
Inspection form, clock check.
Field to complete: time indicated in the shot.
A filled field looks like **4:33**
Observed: **9:07**
